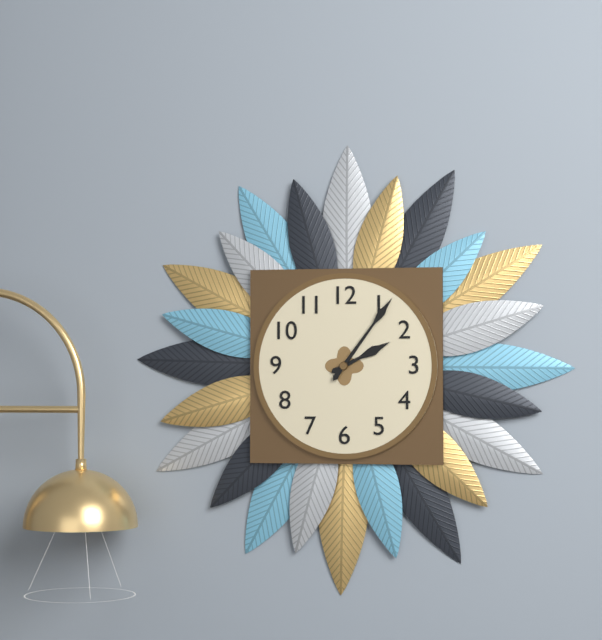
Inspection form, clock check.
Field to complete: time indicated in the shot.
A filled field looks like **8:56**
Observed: **2:06**
